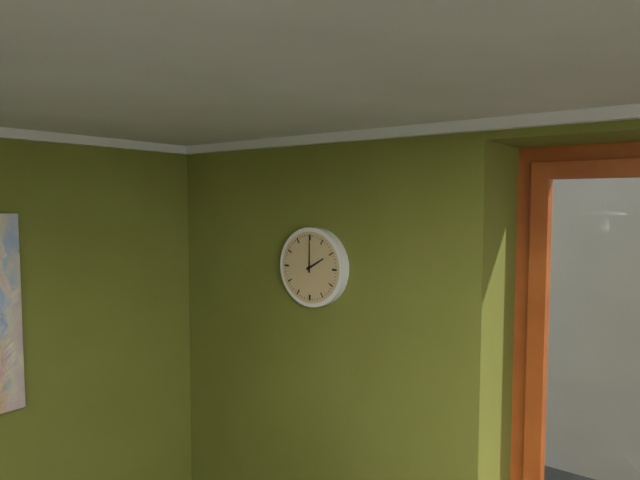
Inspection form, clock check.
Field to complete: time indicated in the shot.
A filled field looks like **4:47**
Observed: **2:00**
